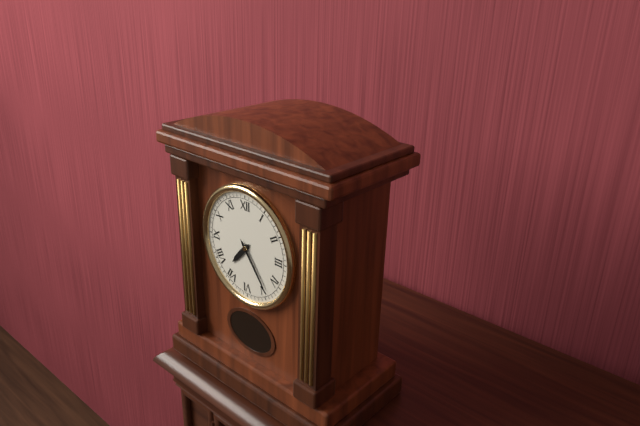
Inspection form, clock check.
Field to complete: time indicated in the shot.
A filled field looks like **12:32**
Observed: **7:24**
